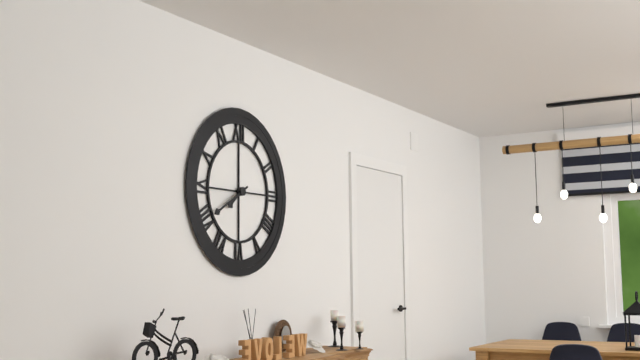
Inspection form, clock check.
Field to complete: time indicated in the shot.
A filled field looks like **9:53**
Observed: **7:40**
